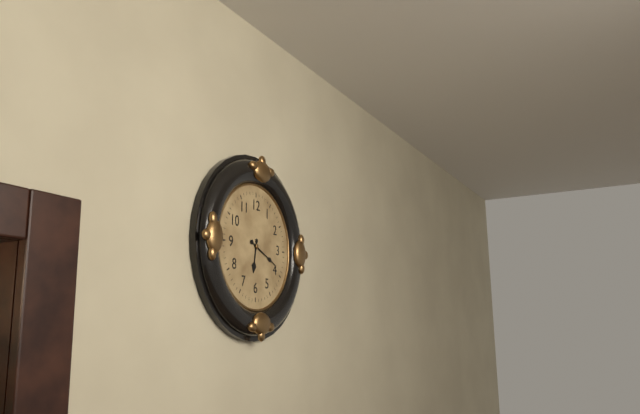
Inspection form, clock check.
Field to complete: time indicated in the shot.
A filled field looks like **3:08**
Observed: **6:19**
